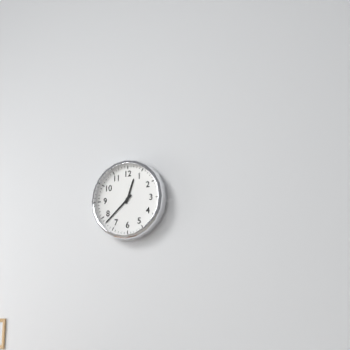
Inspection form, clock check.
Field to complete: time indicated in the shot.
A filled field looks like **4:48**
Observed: **12:38**
